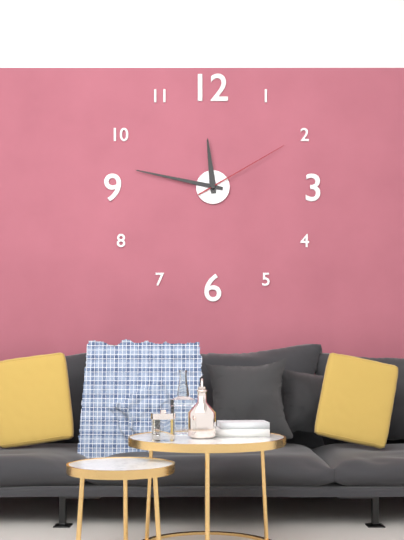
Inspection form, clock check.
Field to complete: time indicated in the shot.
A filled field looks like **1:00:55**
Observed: **11:47:10**
